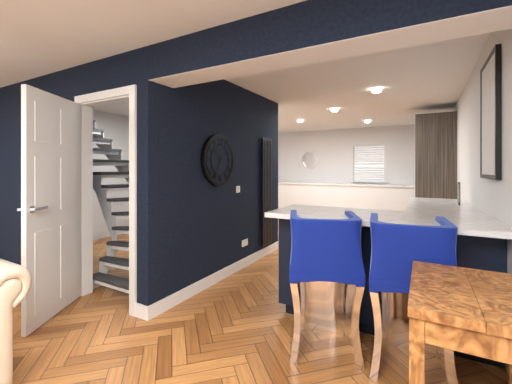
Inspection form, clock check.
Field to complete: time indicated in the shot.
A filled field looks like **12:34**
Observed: **10:35**
